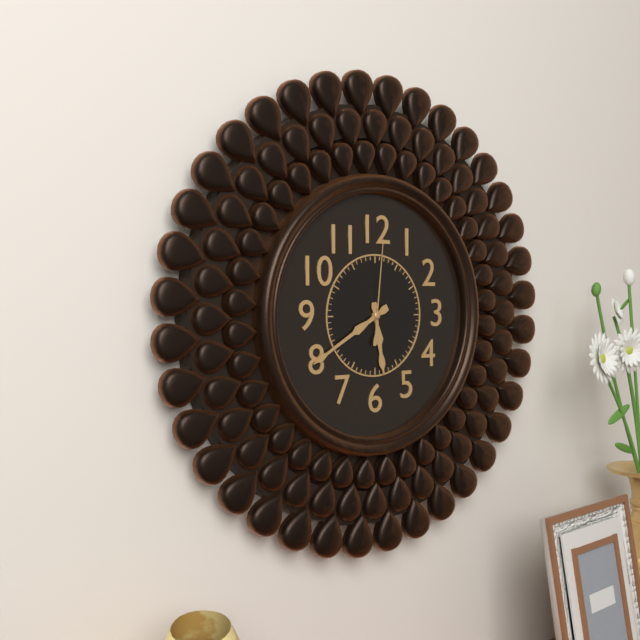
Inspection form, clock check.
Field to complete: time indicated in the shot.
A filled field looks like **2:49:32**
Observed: **5:40:01**
